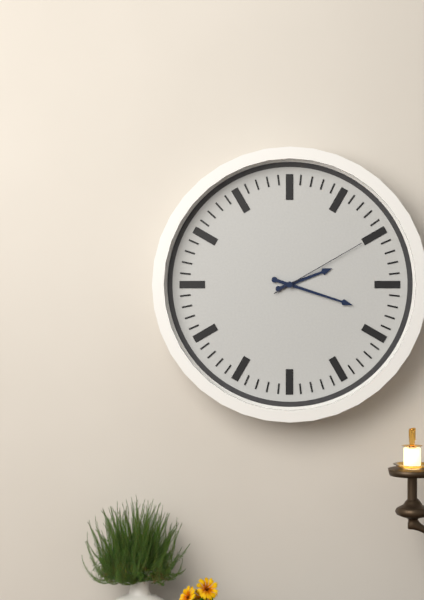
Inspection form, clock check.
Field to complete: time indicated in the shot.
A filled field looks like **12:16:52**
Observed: **2:18:10**
